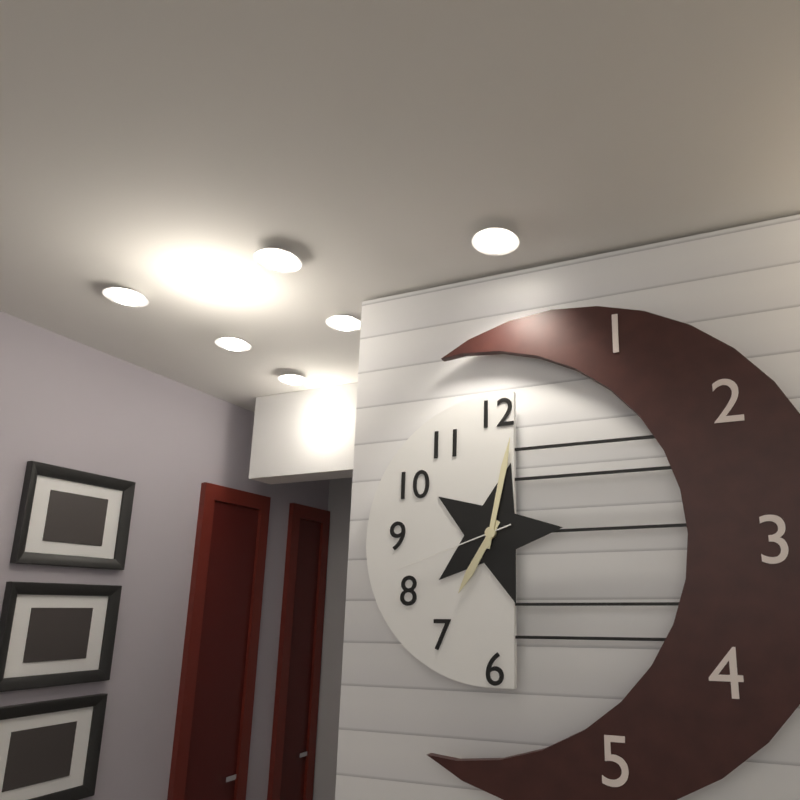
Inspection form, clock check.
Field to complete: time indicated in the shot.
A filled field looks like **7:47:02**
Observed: **7:02:42**
